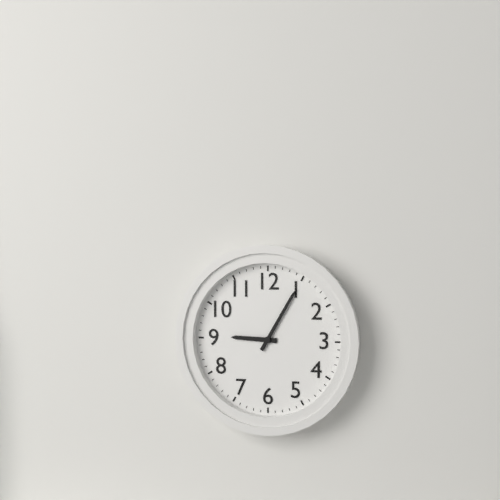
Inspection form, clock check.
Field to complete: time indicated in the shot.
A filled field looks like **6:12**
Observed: **9:05**
